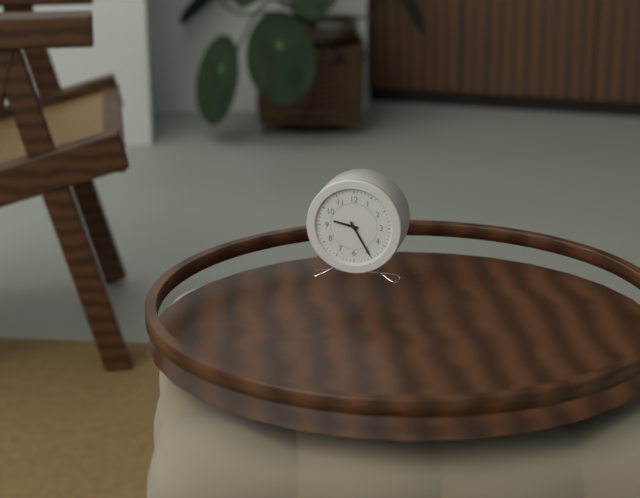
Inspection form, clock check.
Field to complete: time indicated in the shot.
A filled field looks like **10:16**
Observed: **9:25**
